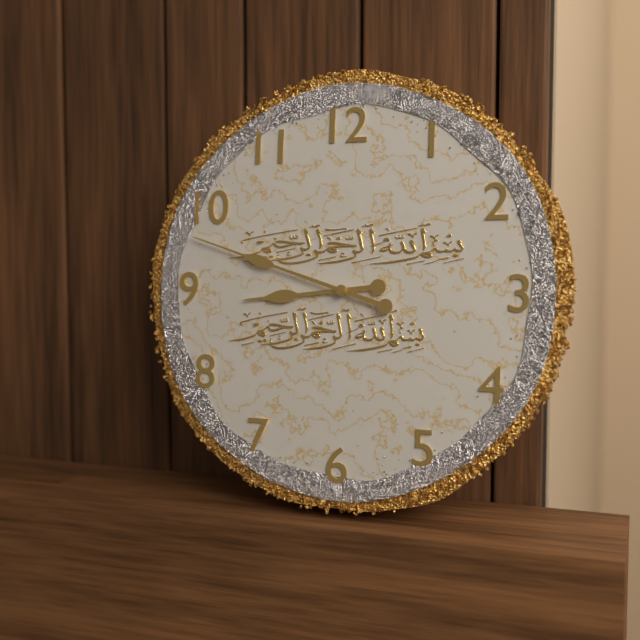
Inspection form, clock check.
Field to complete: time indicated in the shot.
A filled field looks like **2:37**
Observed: **8:48**
